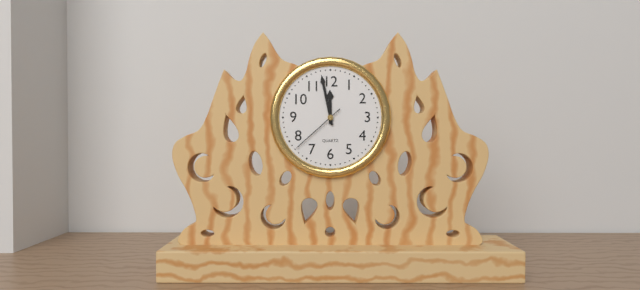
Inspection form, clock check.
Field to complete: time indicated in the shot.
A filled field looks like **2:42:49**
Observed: **11:58:38**
